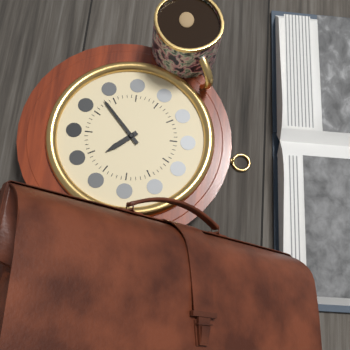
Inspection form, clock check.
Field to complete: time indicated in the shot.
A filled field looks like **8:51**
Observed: **4:38**
